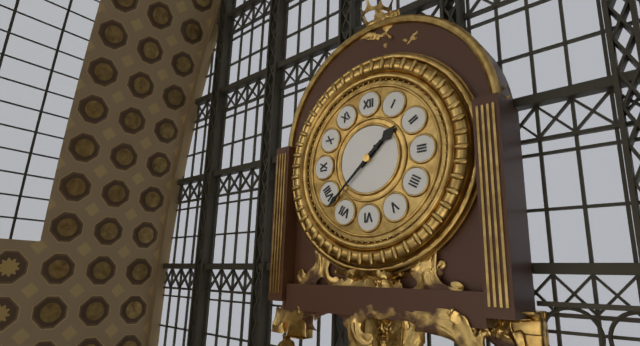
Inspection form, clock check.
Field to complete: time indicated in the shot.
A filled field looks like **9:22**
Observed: **1:38**
